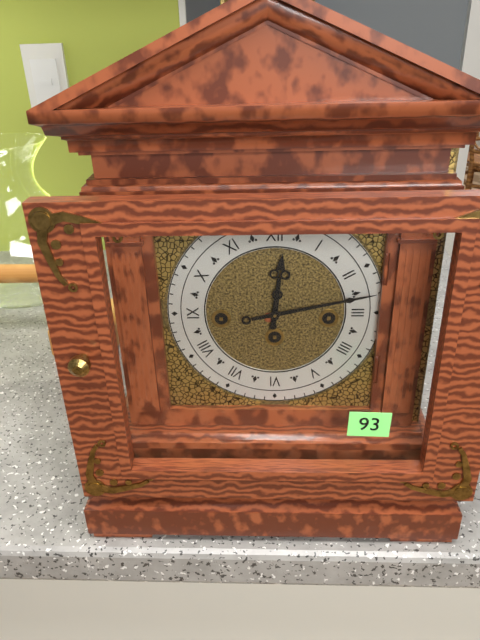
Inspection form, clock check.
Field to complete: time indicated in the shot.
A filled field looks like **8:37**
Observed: **12:13**
